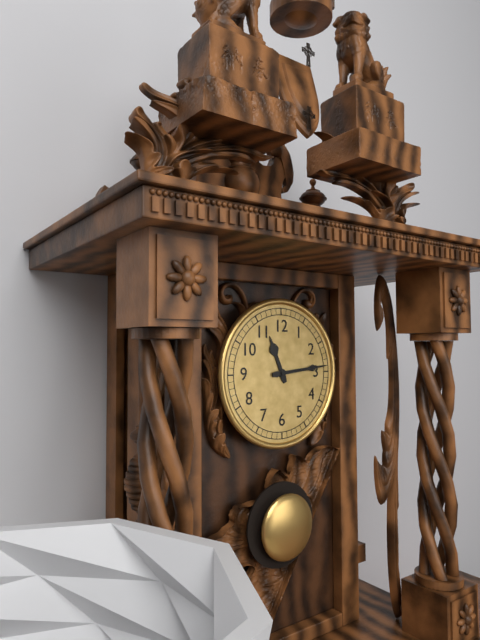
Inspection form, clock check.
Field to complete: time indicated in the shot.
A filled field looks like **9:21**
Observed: **11:14**
